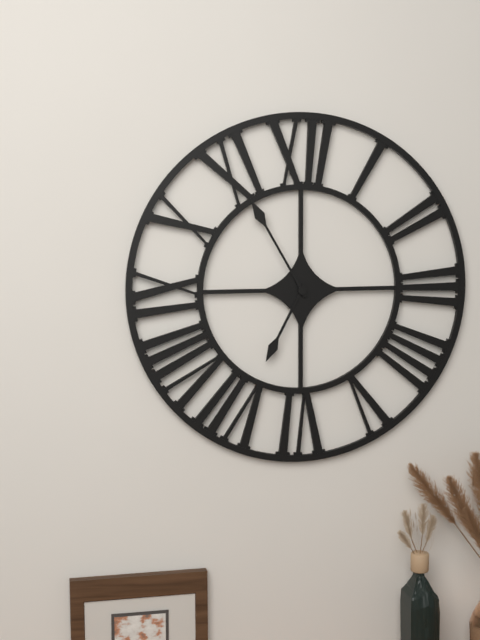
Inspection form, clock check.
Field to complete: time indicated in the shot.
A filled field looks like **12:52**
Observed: **6:55**
